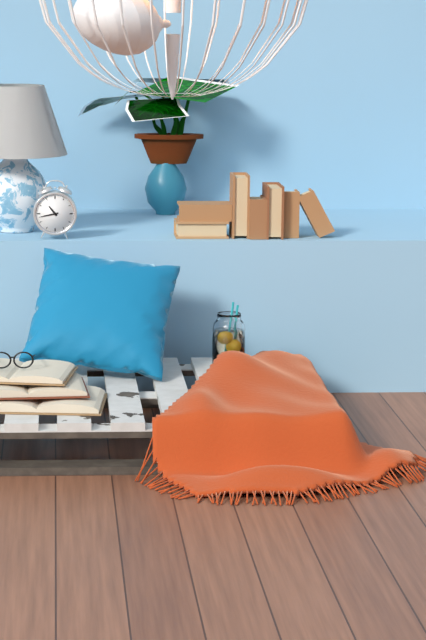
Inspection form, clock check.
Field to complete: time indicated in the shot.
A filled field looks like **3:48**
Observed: **10:43**
